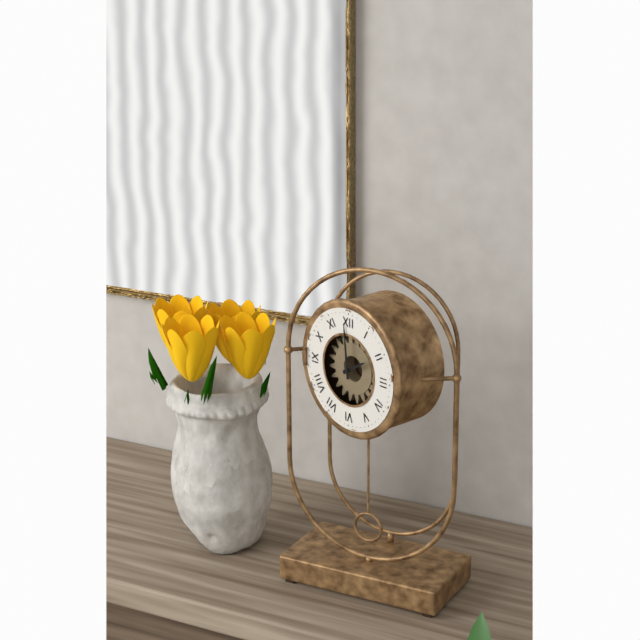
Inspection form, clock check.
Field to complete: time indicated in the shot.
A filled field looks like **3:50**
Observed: **1:59**
